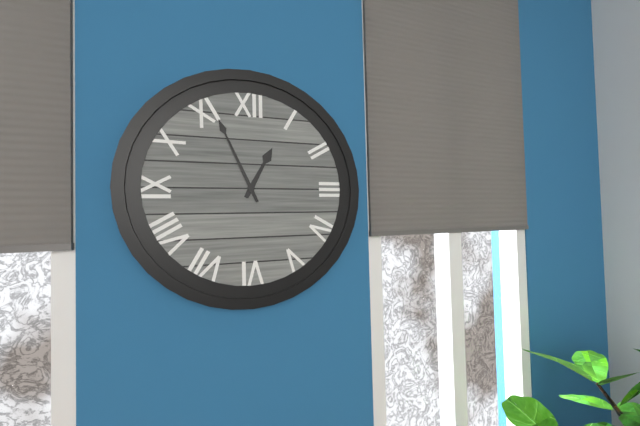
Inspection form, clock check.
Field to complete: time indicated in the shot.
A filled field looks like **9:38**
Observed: **12:56**
